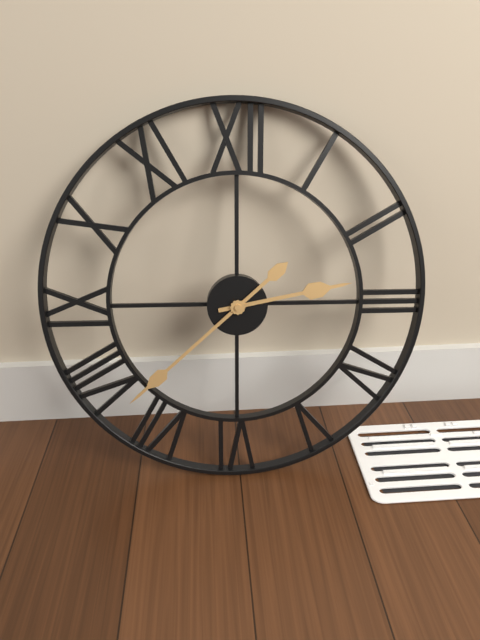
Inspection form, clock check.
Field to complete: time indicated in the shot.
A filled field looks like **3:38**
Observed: **2:38**
